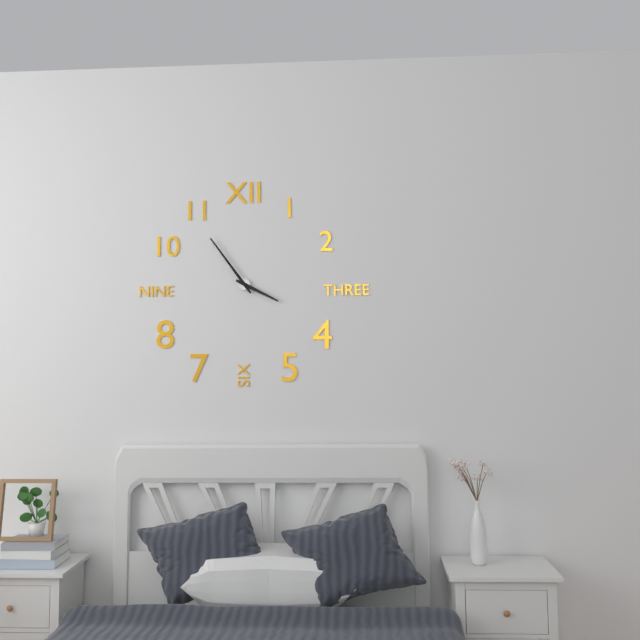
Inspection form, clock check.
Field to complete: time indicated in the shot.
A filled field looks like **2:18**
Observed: **3:54**
